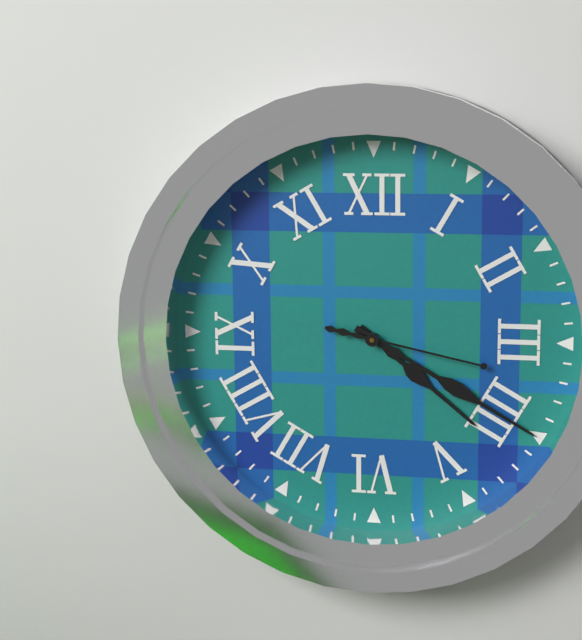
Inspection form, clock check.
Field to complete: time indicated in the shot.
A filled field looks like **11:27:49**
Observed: **4:20:17**
